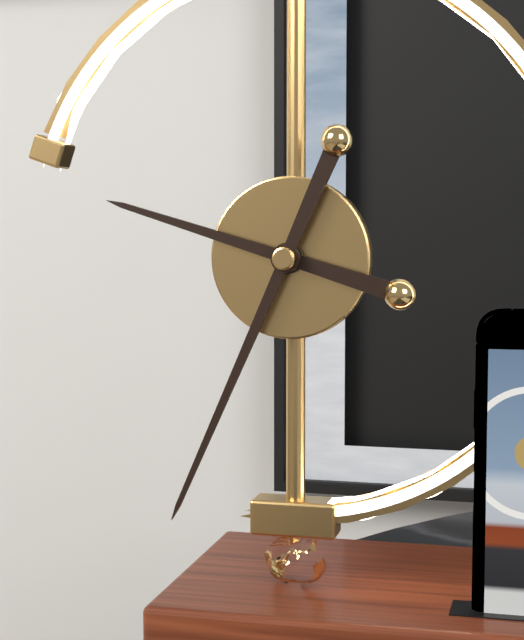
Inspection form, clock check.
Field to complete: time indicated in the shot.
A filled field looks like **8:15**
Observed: **9:34**
